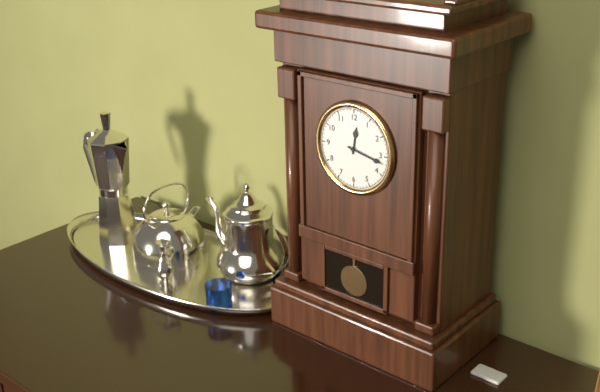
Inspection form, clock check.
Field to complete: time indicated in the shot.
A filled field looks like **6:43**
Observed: **12:17**
